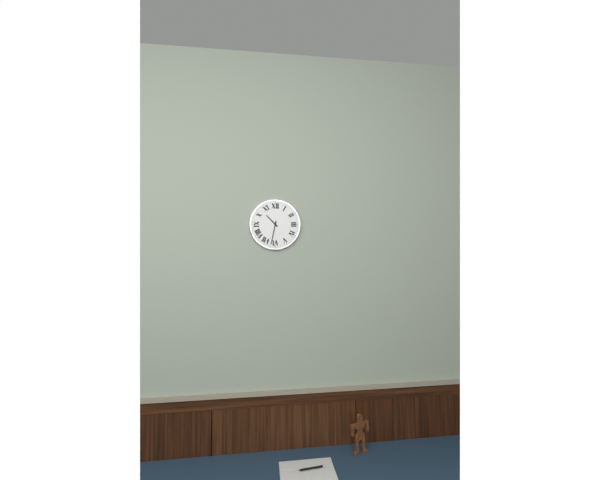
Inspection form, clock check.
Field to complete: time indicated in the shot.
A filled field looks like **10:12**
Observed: **10:32**
